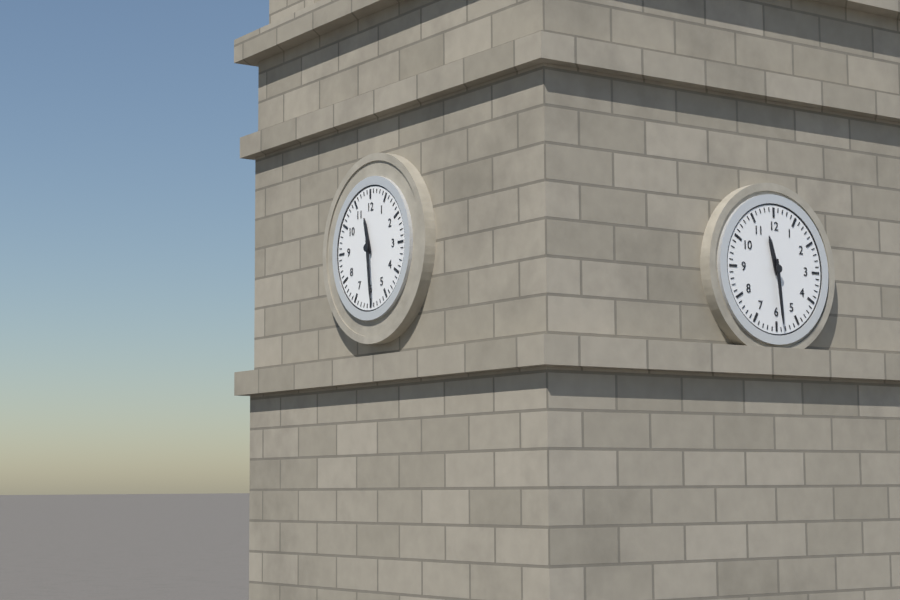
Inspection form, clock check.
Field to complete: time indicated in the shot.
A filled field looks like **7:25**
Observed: **11:29**
